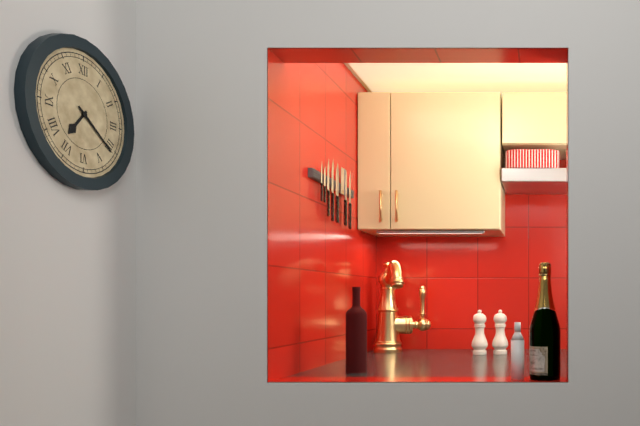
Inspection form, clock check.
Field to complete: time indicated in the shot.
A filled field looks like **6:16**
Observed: **7:21**
